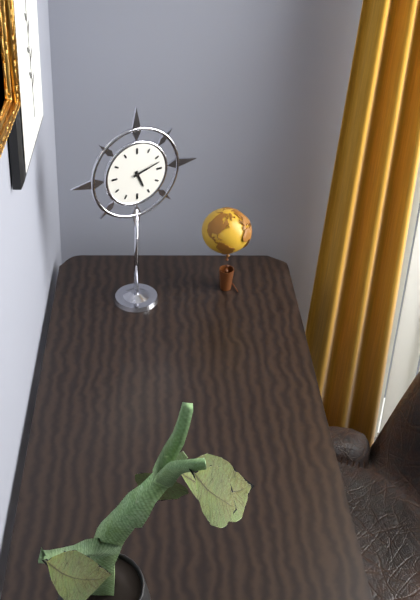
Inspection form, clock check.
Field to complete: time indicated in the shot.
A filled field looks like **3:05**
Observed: **5:12**
